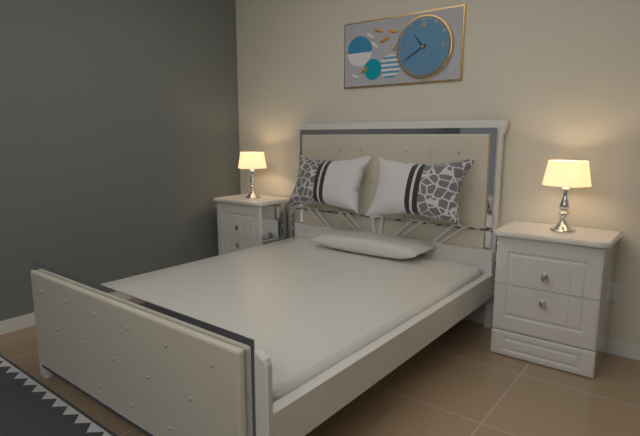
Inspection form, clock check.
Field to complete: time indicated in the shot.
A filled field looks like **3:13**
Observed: **10:40**
